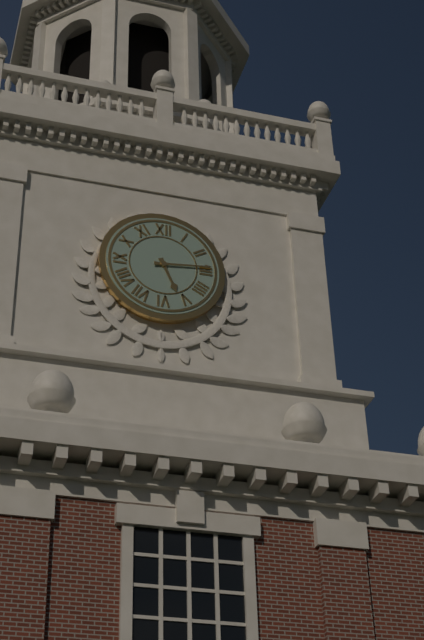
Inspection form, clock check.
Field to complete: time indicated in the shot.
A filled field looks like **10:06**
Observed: **5:14**
